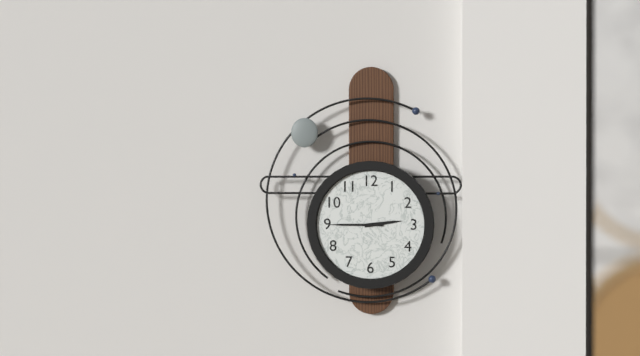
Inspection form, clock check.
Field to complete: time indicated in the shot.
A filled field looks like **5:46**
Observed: **2:45**
